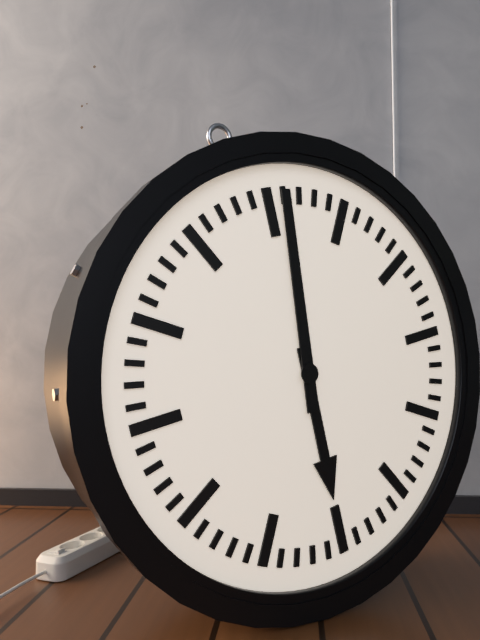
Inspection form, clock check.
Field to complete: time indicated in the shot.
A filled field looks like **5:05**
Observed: **6:01**
